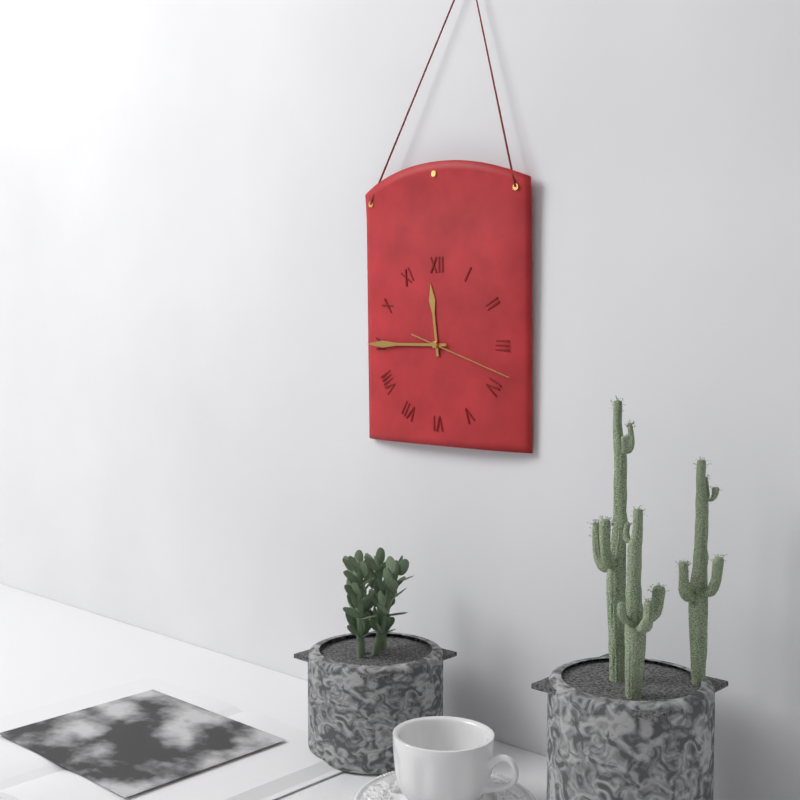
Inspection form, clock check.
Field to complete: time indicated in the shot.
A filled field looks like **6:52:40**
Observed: **11:45:18**
